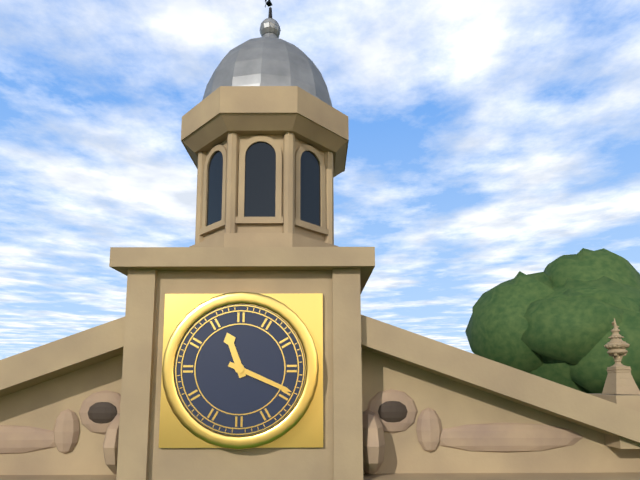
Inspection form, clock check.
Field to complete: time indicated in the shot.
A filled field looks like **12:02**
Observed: **11:19**
